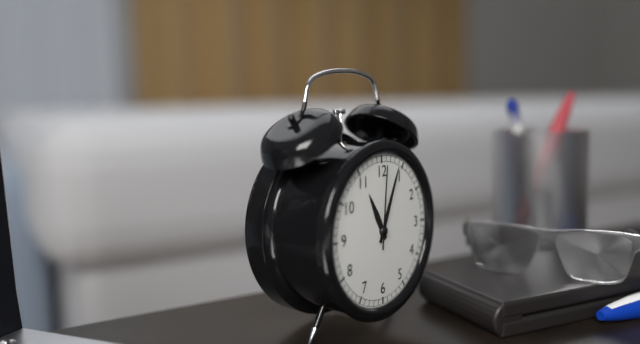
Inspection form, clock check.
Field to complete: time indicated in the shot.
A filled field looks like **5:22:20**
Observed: **11:04:01**
